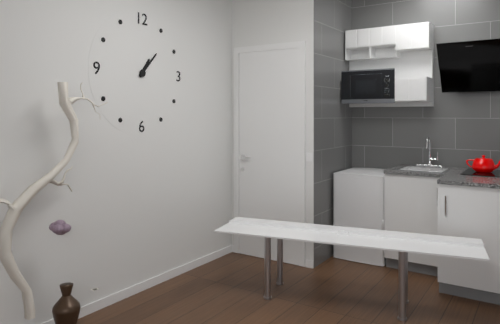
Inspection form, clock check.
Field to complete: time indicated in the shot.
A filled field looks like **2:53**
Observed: **1:07**
